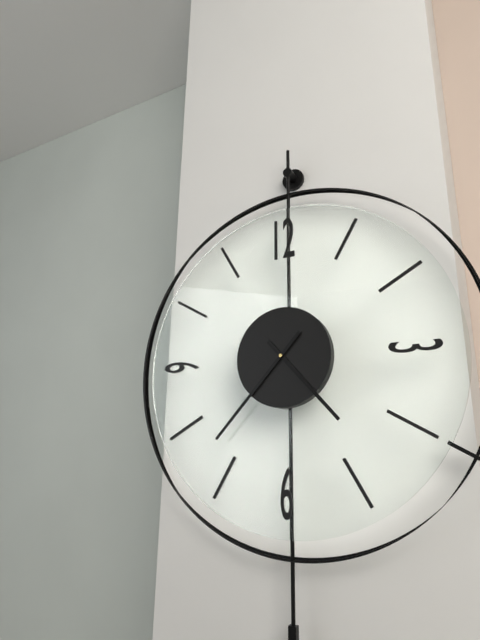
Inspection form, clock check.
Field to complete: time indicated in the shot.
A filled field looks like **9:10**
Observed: **4:37**
